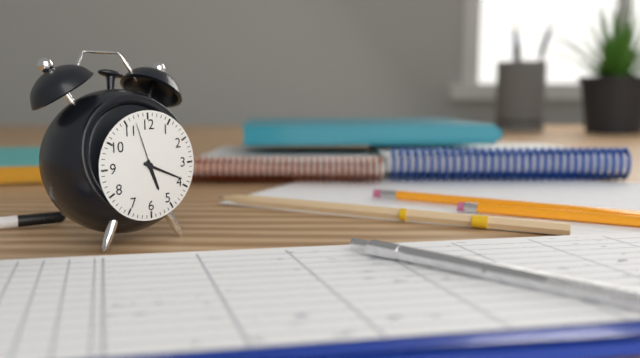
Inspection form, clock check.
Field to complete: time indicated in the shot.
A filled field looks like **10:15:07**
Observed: **5:19:57**
